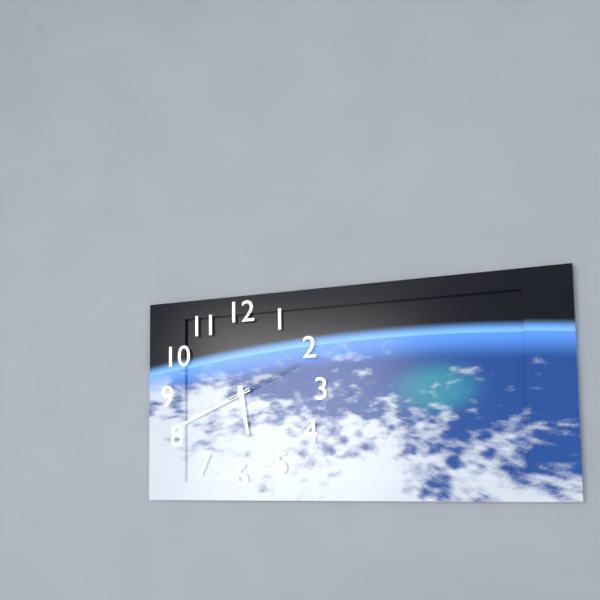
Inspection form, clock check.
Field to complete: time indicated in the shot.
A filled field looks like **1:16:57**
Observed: **5:41:11**
